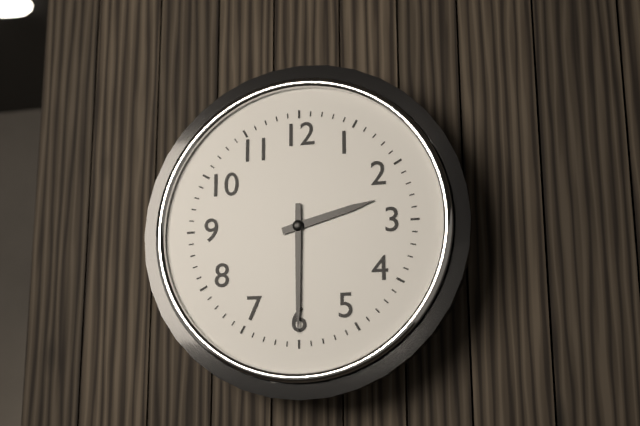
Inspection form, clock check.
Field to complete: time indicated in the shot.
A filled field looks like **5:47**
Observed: **2:30**
